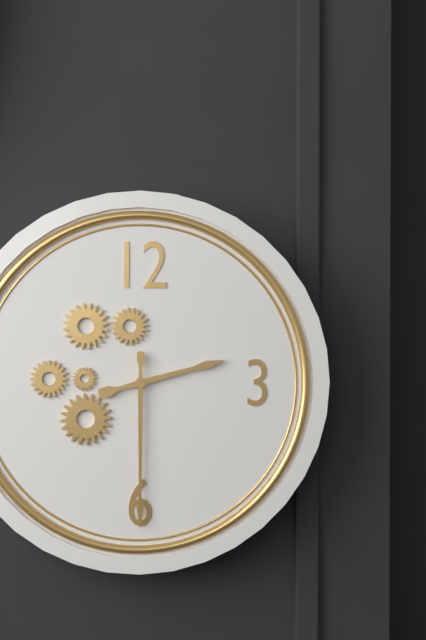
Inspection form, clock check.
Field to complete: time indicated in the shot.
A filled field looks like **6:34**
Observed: **2:30**
